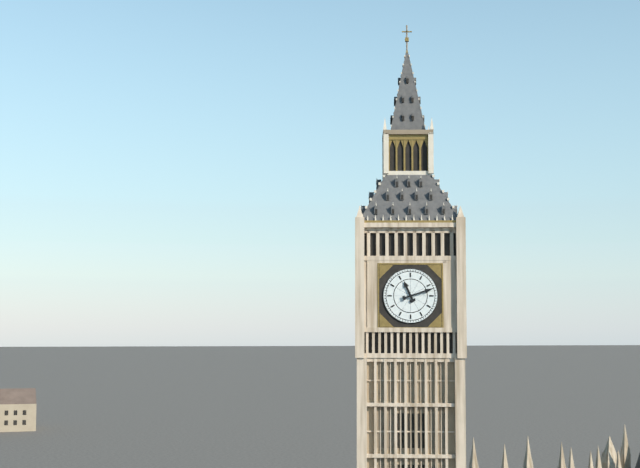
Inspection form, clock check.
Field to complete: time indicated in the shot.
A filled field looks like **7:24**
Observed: **11:12**
